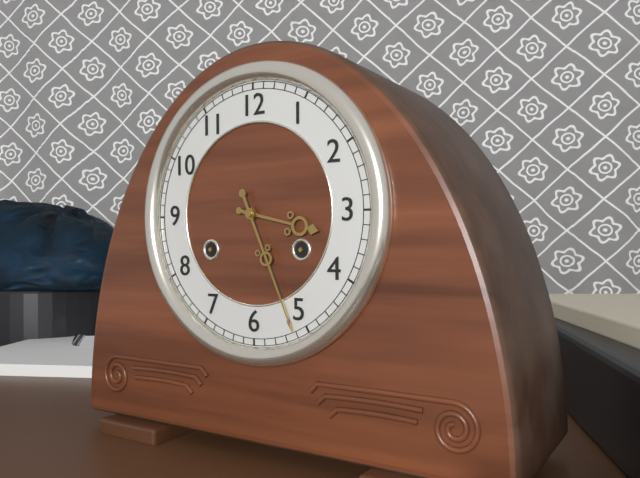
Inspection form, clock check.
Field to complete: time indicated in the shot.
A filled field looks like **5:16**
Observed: **3:26**
